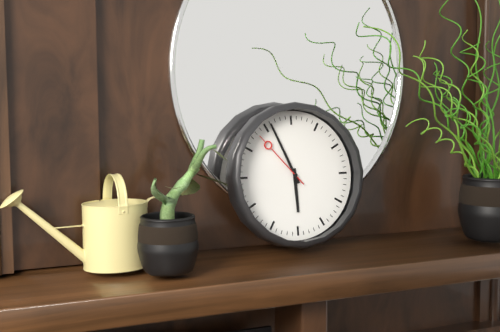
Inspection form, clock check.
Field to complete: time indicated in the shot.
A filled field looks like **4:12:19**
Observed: **5:56:53**
